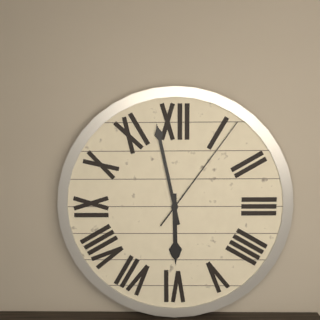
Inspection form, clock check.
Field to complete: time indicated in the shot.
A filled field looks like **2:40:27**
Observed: **5:58:06**
